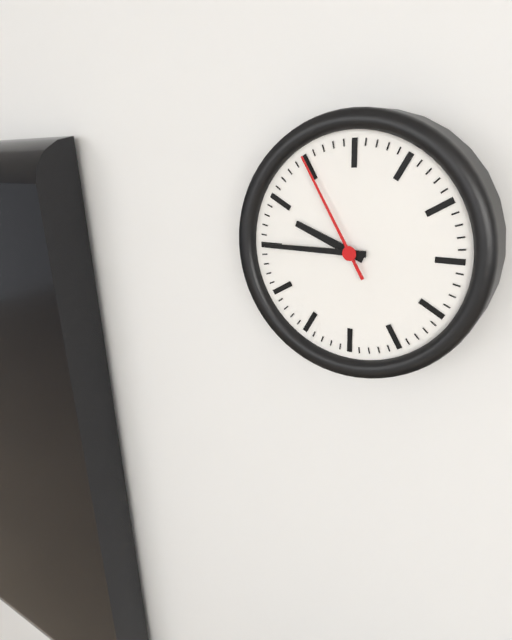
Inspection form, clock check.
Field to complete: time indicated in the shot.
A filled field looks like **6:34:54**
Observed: **9:45:55**
